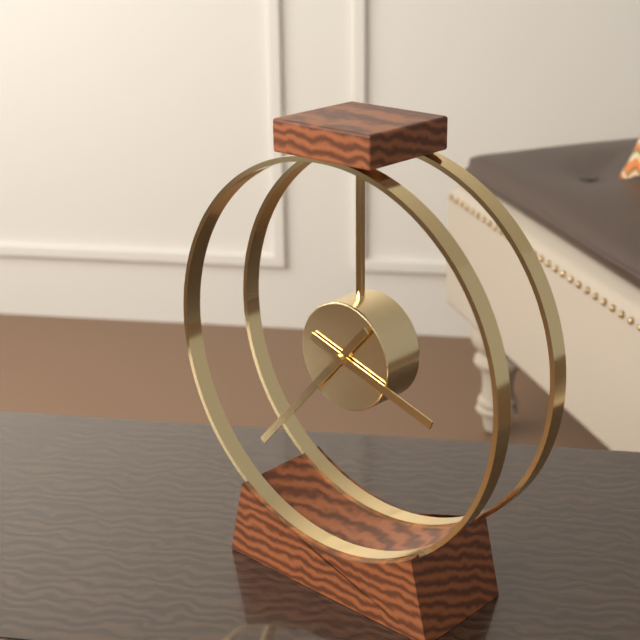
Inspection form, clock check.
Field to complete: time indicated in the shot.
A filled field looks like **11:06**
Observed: **3:37**
